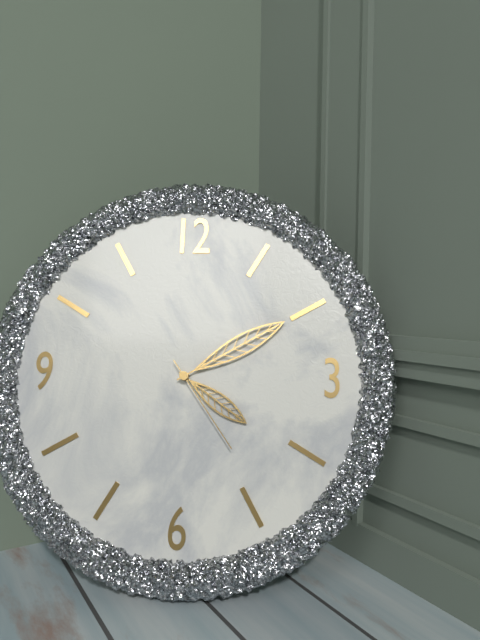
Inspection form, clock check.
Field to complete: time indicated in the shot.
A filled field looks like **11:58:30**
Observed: **4:10:24**
